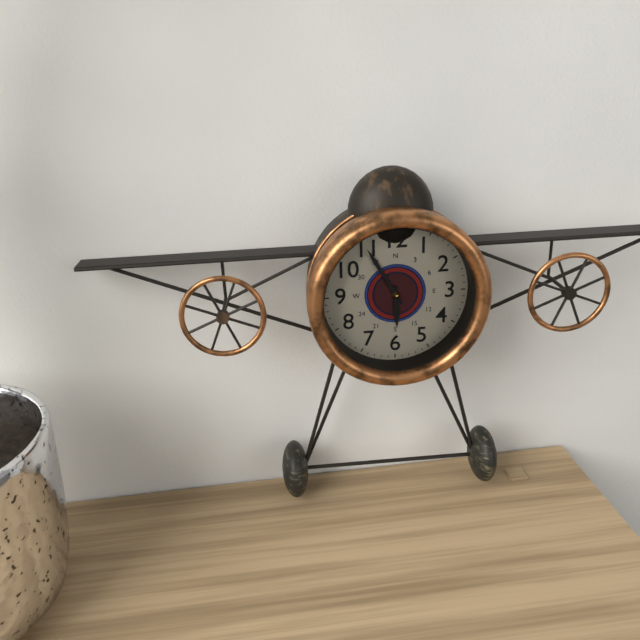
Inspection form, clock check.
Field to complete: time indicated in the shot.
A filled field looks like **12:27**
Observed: **5:55**
